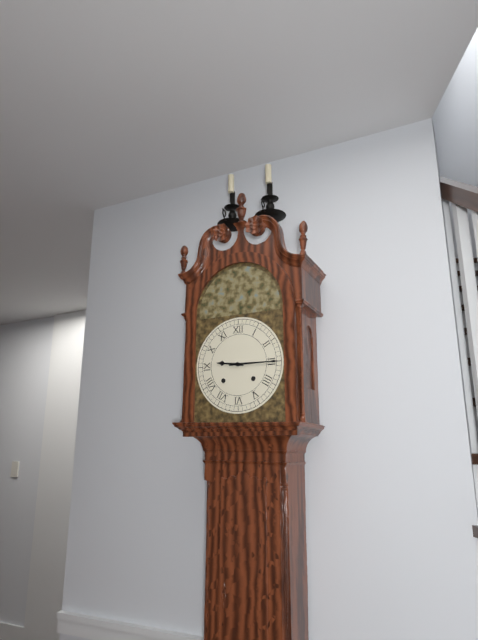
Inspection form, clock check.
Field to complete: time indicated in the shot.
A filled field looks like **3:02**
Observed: **9:15**
